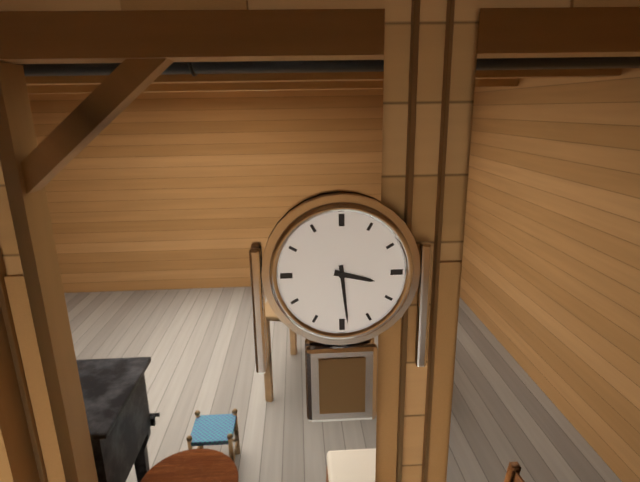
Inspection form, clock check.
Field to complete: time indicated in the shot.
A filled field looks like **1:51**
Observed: **3:29**
